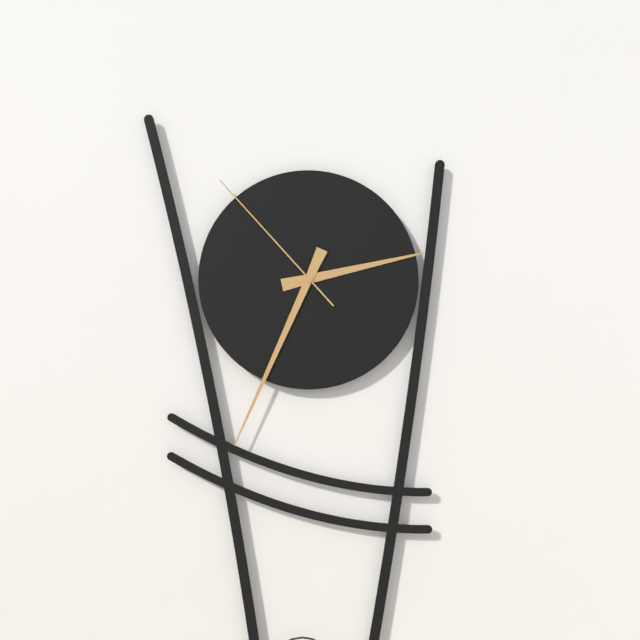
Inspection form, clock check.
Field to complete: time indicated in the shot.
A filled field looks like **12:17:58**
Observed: **2:34:53**
